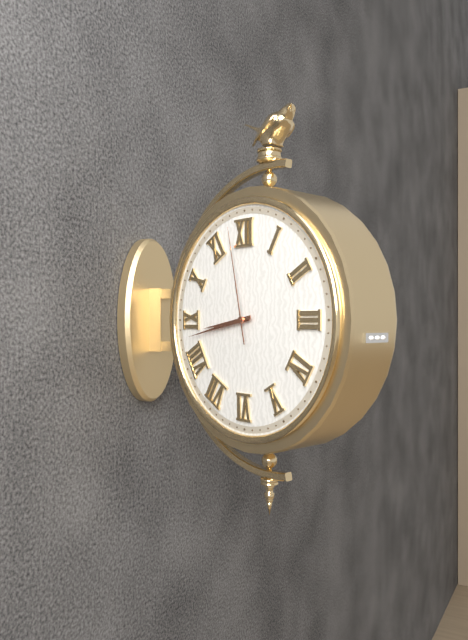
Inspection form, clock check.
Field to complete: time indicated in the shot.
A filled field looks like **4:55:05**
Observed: **8:43:58**
